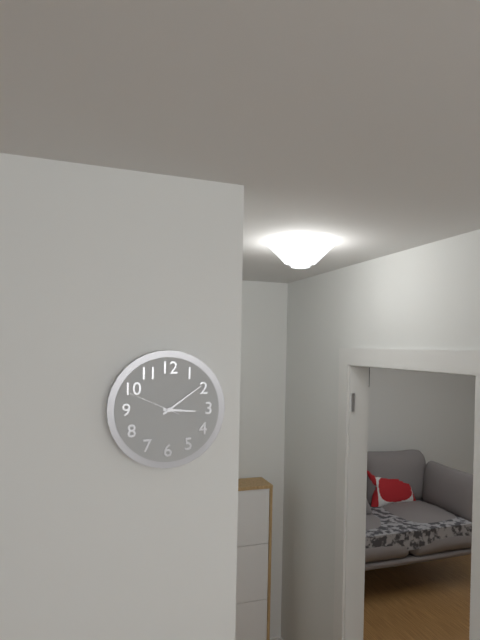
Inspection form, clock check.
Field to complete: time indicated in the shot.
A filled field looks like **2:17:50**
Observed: **3:09:49**
